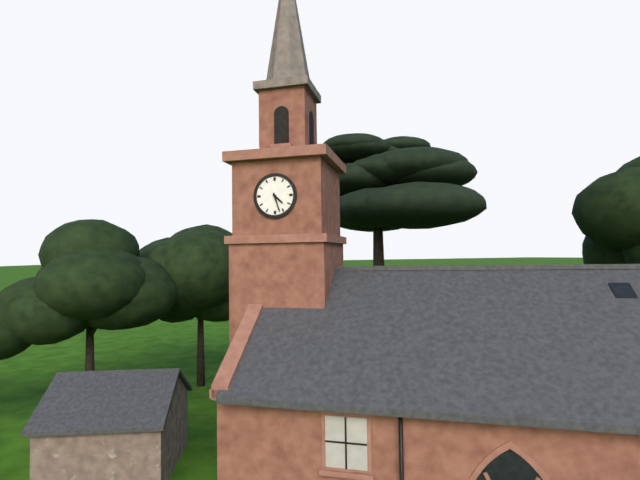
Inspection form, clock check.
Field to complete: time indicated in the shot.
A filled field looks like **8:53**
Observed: **4:27**
